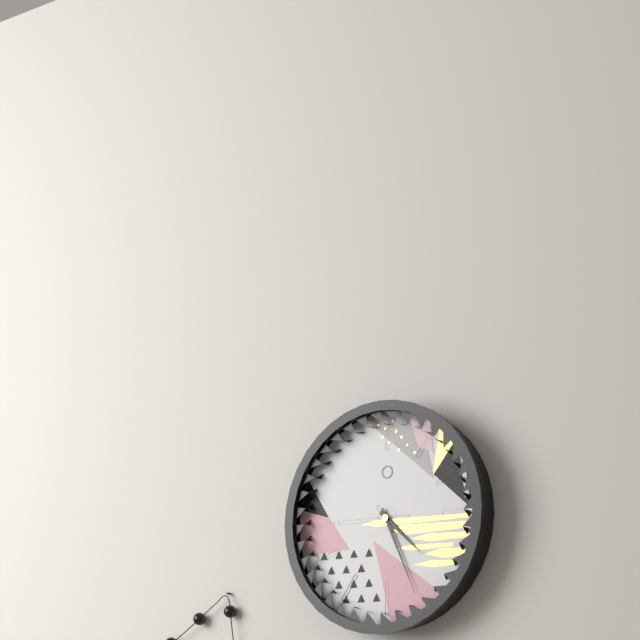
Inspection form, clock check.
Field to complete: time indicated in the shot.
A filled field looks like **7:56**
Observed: **4:26**
